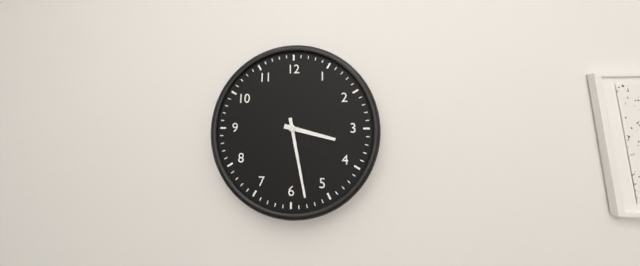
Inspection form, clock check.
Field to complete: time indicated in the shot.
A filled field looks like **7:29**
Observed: **3:28**
